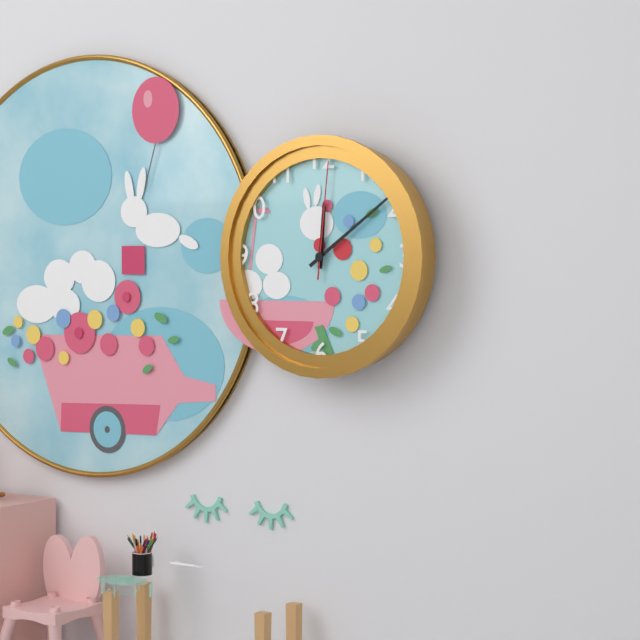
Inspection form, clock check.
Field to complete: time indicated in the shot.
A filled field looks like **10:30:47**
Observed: **12:09:01**
